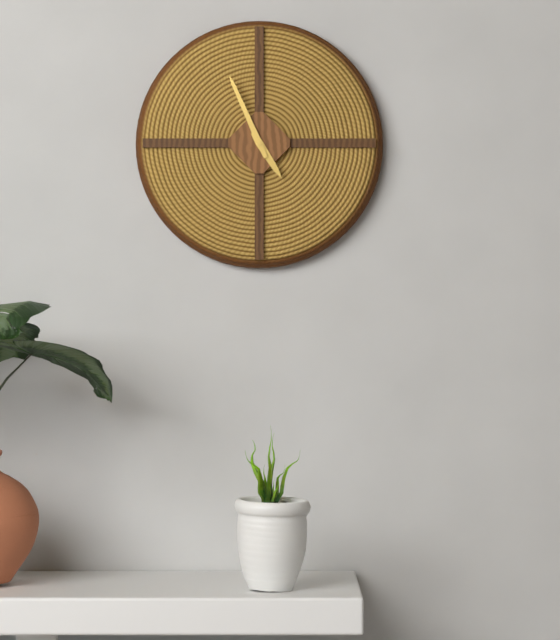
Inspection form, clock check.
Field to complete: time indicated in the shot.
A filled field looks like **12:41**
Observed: **4:56**
